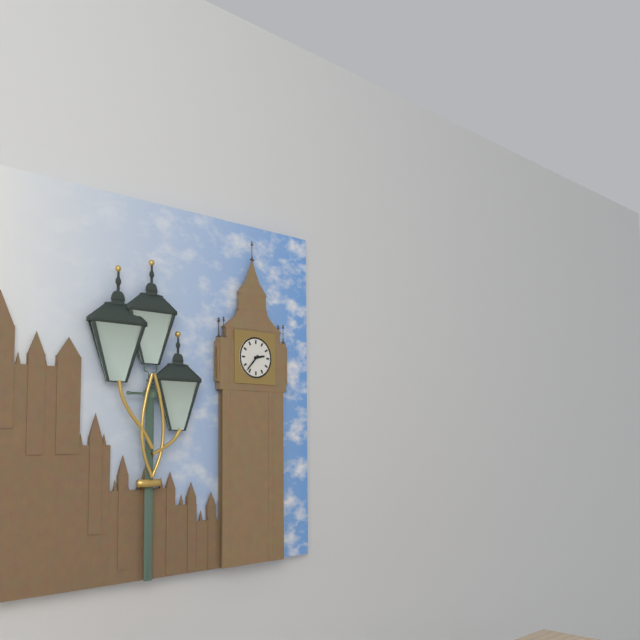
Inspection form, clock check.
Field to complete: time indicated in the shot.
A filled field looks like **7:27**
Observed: **2:37**
